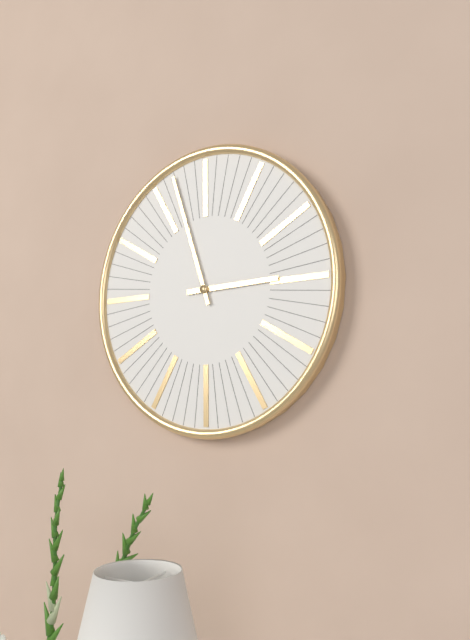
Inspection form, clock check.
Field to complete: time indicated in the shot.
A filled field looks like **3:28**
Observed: **2:57**
